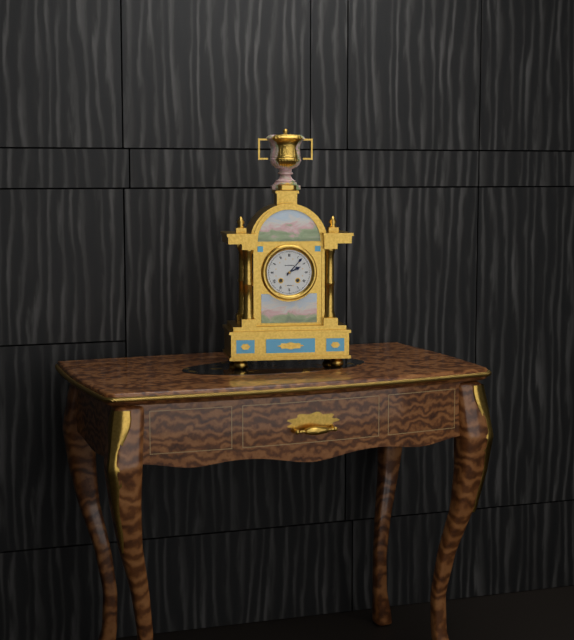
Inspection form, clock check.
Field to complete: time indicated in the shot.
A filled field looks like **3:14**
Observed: **2:07**
